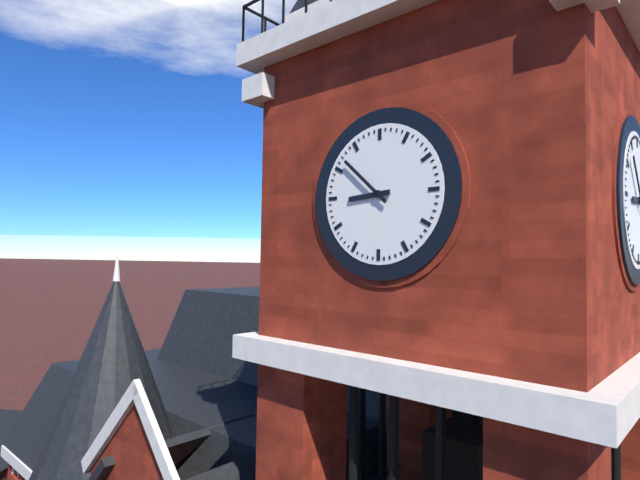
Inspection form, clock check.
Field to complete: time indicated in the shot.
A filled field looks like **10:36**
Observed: **8:52**
